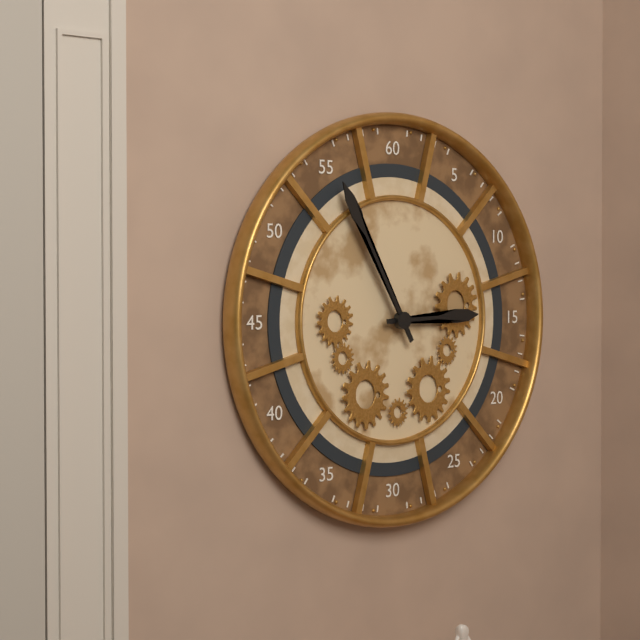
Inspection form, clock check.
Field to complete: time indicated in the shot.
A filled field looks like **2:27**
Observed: **2:55**
